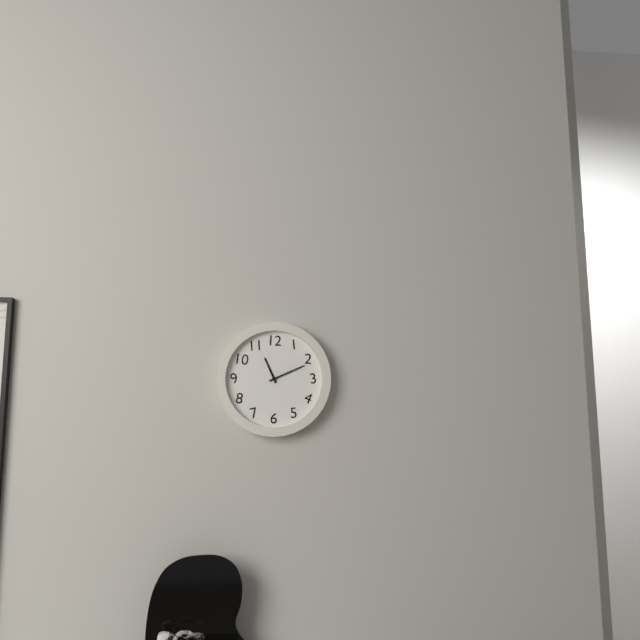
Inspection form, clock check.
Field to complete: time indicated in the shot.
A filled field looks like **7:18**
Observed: **11:11**
